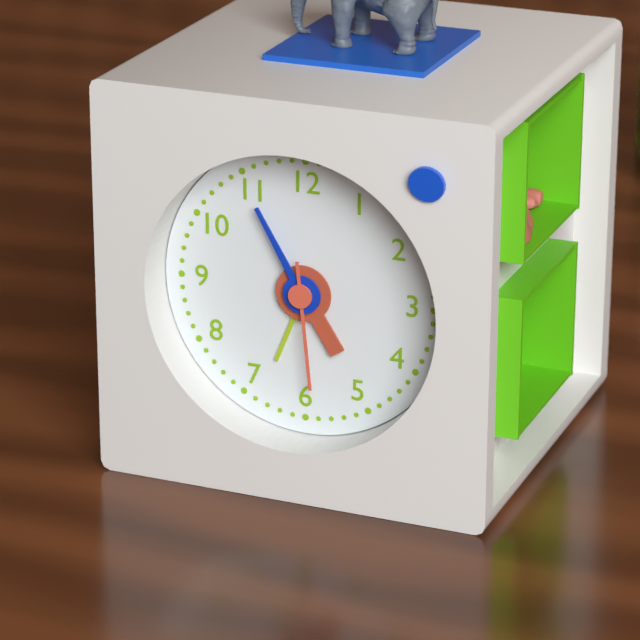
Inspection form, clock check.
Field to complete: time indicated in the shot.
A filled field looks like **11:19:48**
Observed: **4:55:29**
